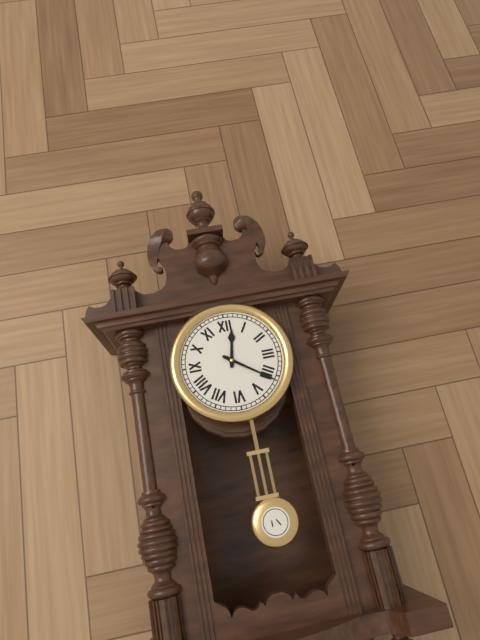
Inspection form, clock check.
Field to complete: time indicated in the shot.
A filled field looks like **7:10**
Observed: **12:21**
